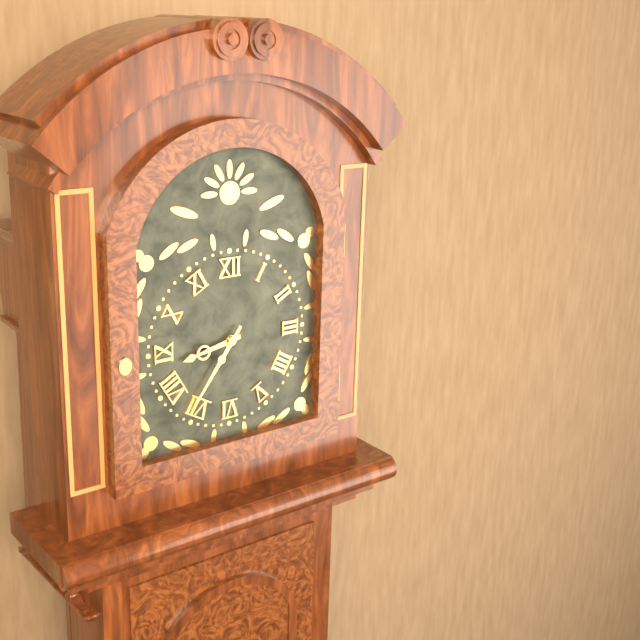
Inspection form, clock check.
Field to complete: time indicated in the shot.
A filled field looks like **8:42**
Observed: **8:36**
